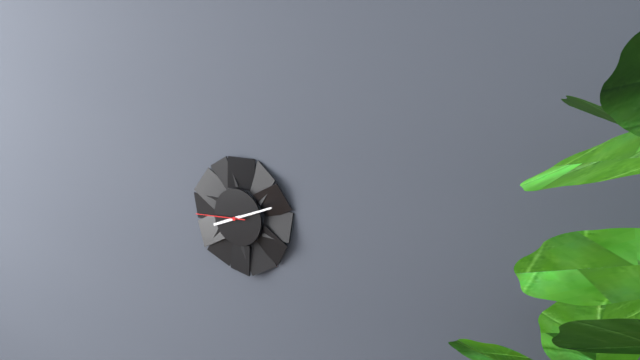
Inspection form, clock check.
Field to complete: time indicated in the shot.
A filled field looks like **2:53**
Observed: **8:11**
